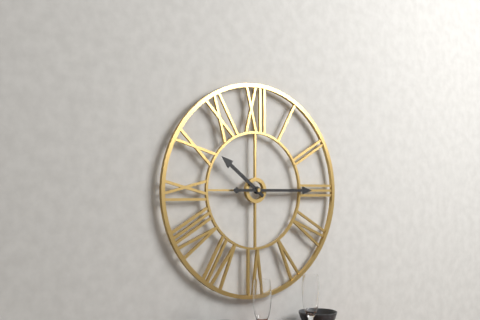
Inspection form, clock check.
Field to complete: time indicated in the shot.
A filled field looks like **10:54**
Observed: **10:15**
